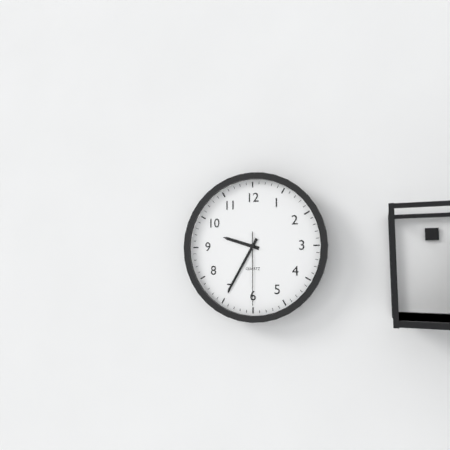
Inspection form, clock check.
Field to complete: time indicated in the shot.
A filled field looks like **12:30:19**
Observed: **9:35:30**
